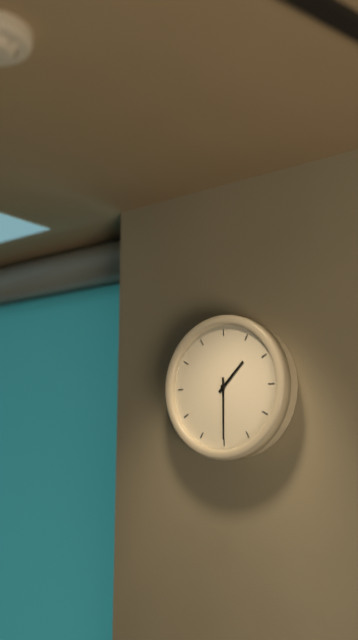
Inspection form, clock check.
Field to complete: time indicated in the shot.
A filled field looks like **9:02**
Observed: **1:30**
